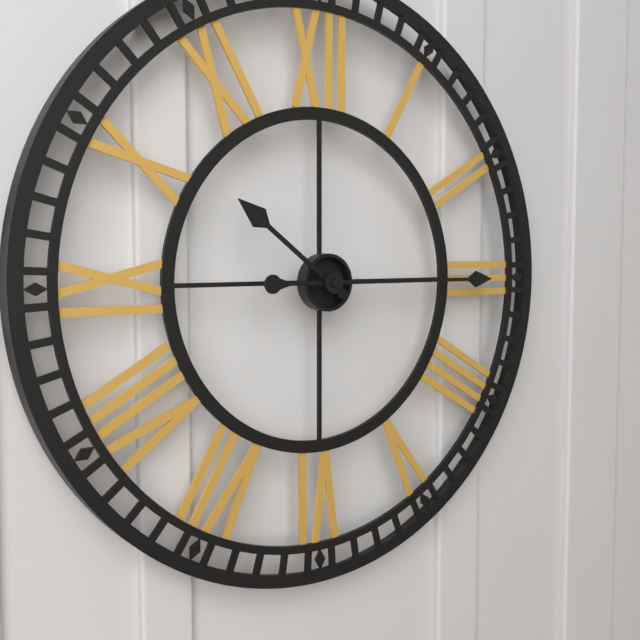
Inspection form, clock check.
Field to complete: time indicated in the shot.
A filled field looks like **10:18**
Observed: **10:15**
